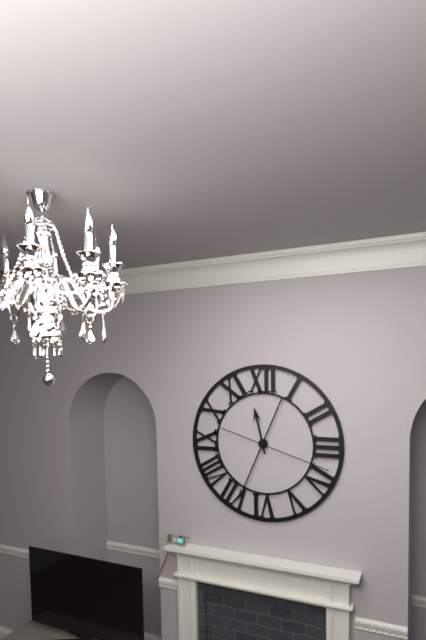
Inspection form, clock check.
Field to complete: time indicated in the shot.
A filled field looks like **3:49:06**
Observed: **11:34:18**
